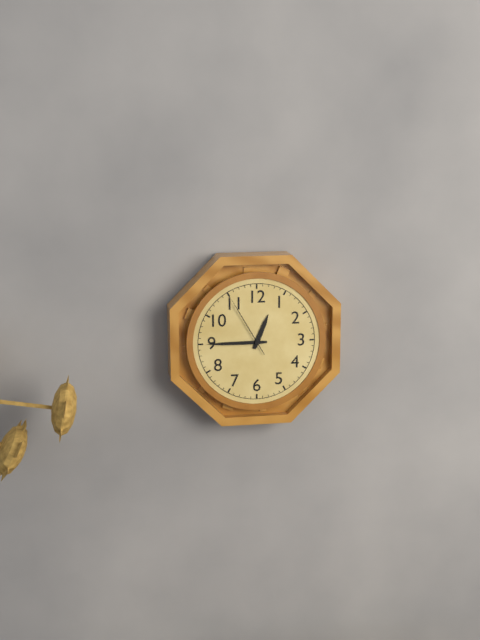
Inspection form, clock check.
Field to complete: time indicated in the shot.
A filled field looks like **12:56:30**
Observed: **12:45:55**
